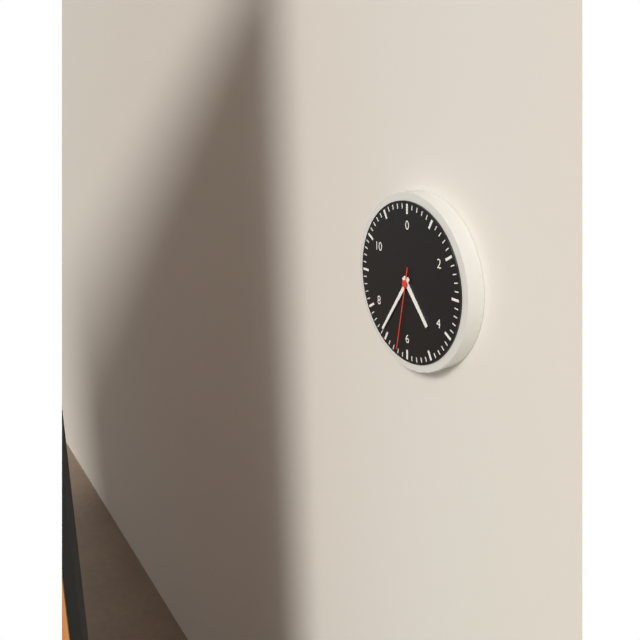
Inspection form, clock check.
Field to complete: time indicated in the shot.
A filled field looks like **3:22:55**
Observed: **4:36:32**
